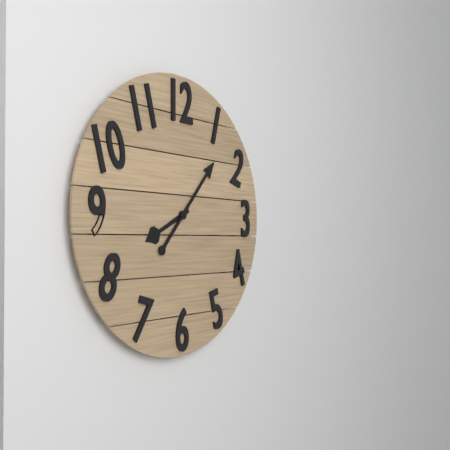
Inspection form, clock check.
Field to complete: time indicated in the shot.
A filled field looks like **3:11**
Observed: **8:07**
